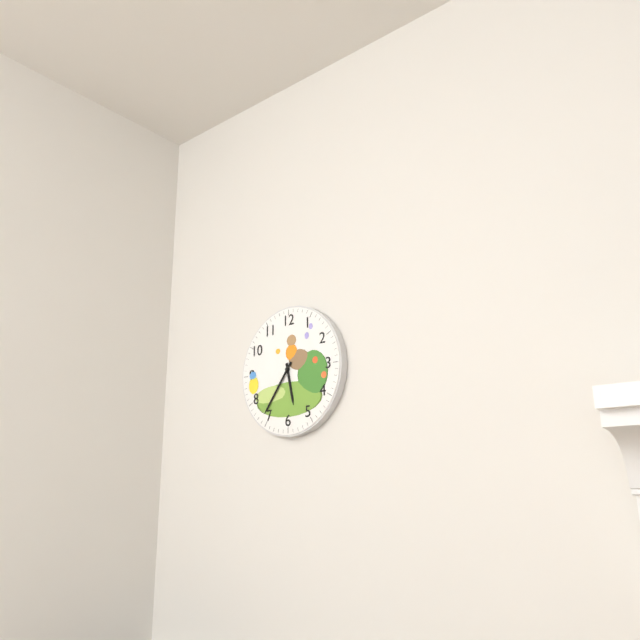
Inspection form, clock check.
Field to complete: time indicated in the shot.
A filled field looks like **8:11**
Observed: **5:36**
